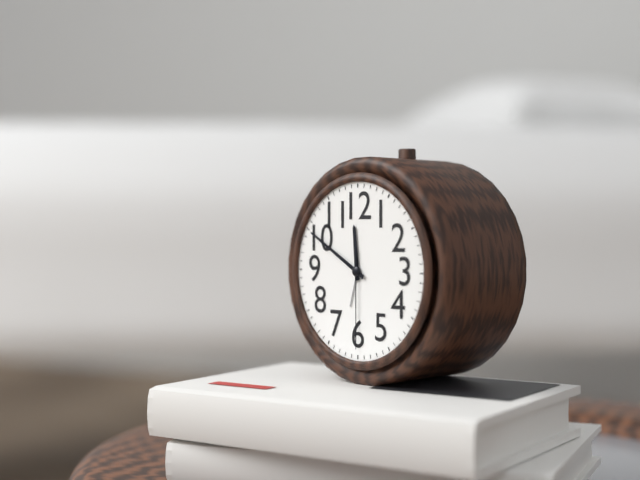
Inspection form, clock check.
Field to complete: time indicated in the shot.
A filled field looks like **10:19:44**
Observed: **11:50:30**
